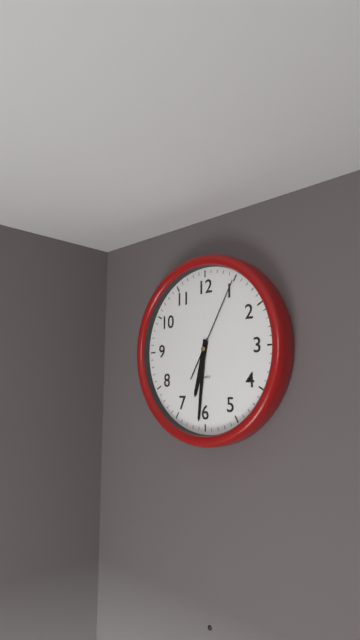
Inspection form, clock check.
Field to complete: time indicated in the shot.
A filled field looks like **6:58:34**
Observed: **6:31:05**
